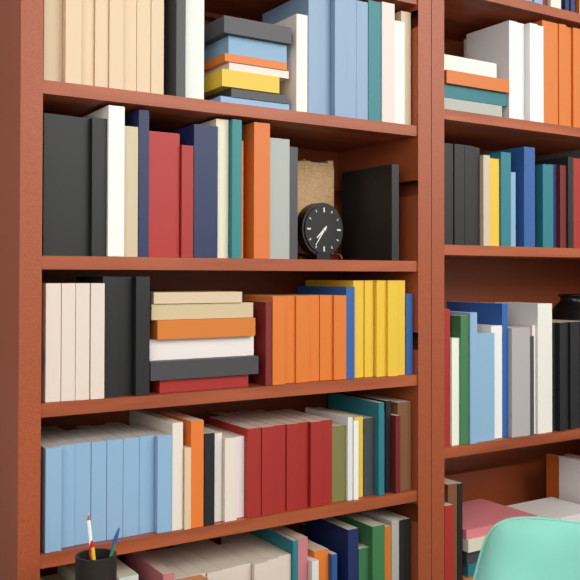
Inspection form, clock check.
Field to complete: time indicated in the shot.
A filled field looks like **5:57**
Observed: **7:36**
